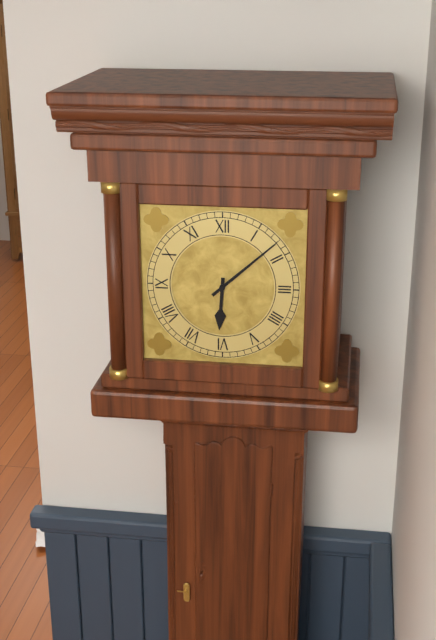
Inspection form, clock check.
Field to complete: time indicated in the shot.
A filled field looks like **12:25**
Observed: **6:08**
